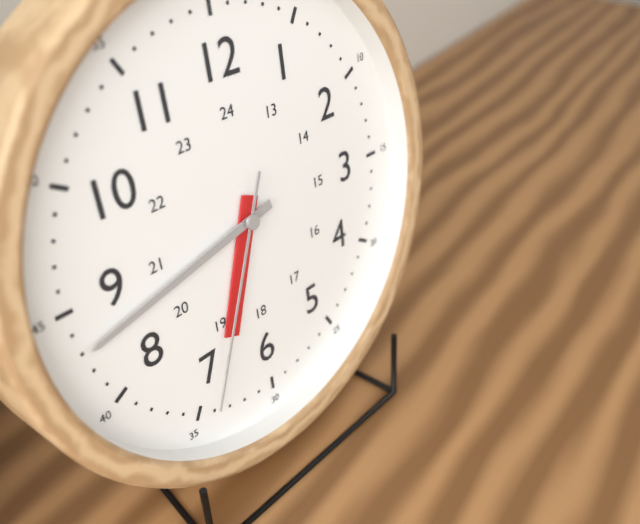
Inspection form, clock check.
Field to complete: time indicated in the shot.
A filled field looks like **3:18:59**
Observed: **6:43:34**
